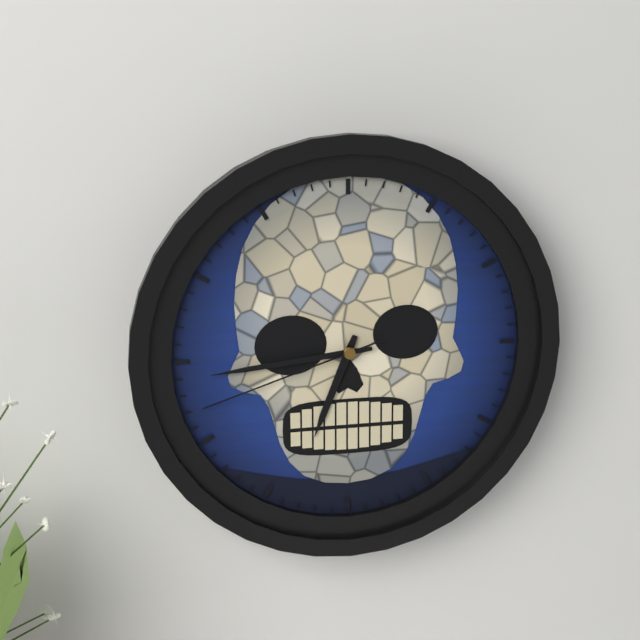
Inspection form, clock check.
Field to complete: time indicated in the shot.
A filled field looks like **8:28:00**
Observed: **6:44:42**
